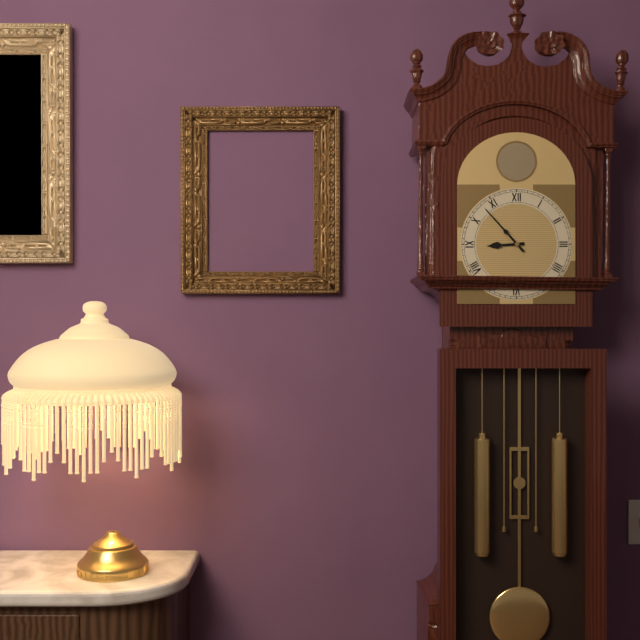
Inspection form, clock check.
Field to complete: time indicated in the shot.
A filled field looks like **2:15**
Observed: **8:53**
